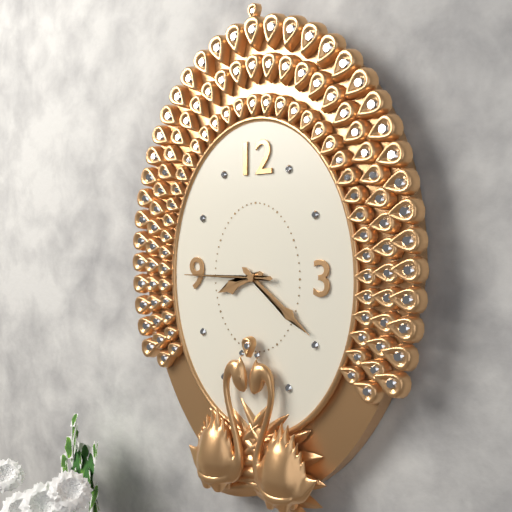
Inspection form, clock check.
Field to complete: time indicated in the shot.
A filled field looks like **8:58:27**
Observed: **8:21:45**
